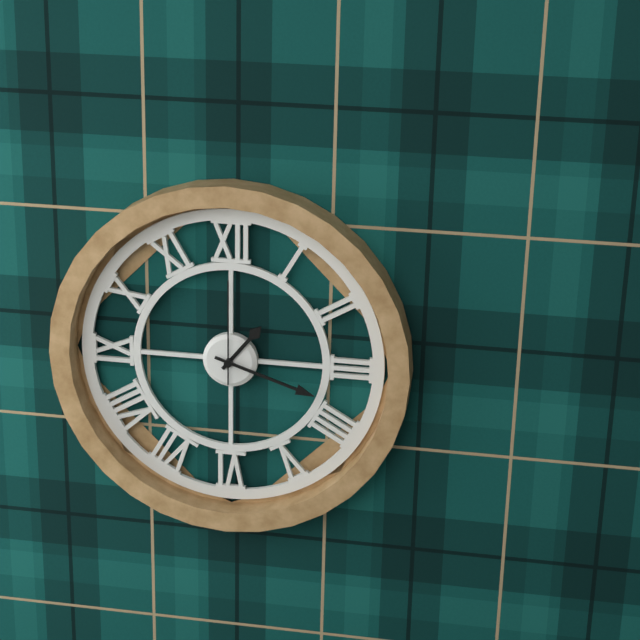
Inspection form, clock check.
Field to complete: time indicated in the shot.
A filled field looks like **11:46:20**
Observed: **1:18:00**
